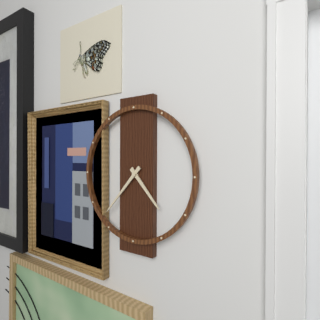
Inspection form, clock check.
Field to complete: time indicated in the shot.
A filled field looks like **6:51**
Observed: **4:37**
